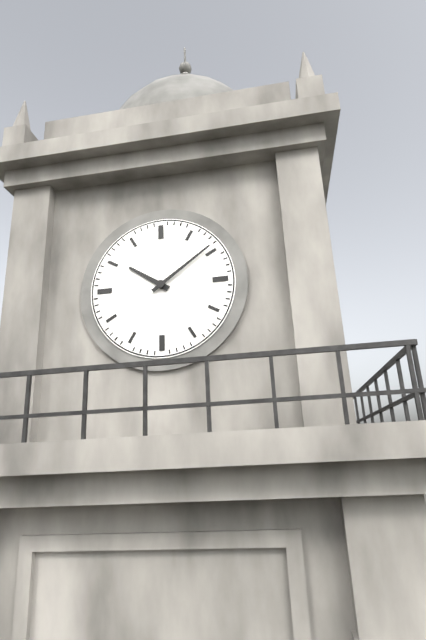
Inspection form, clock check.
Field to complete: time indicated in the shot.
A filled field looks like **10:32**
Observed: **10:09**
